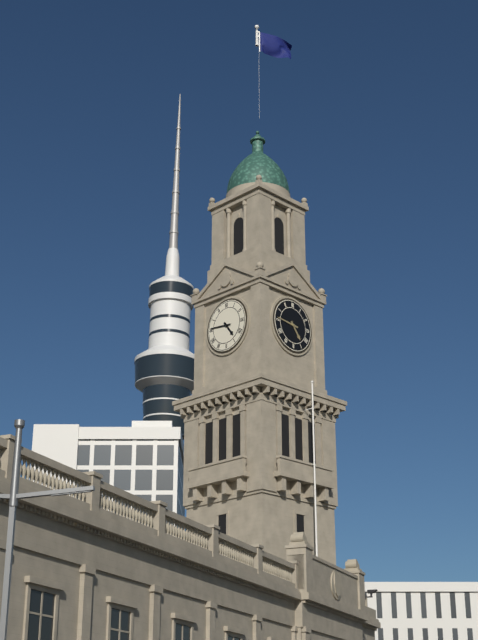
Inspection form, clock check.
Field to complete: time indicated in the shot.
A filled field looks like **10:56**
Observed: **4:46**
